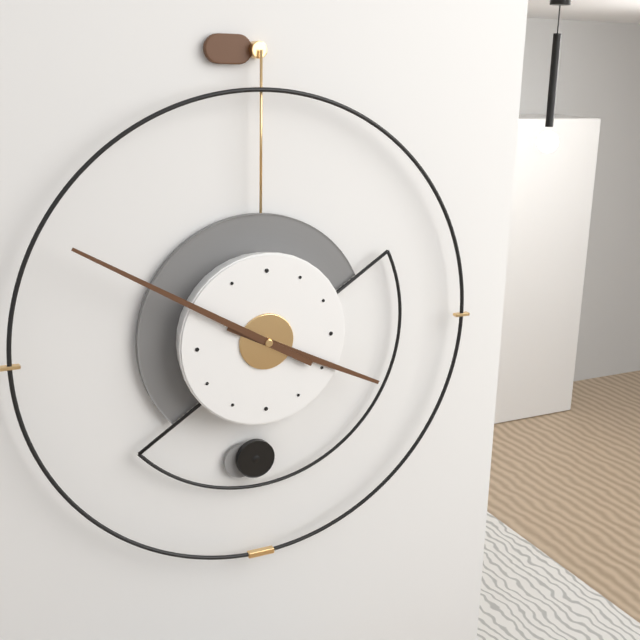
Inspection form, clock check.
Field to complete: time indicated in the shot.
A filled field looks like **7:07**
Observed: **3:50**
